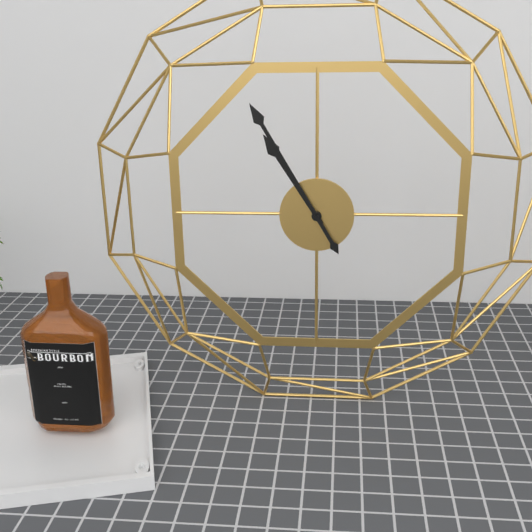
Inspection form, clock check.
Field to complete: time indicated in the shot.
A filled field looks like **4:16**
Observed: **10:55**
